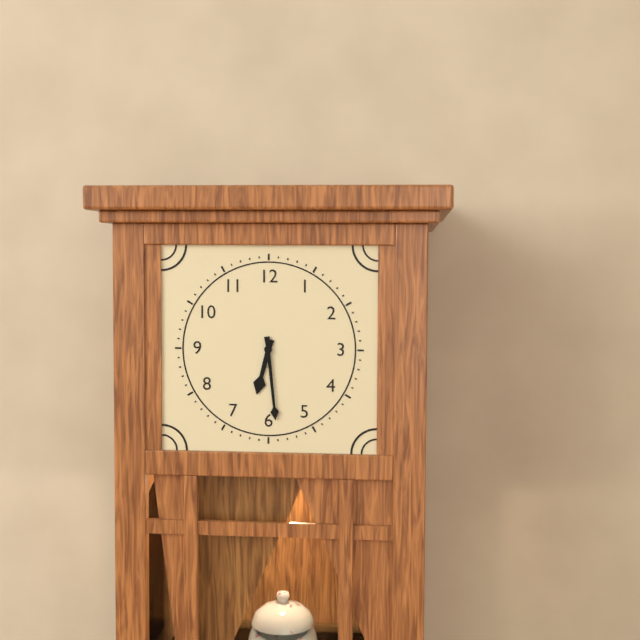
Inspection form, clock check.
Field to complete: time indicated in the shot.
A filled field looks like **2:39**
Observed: **6:29**
